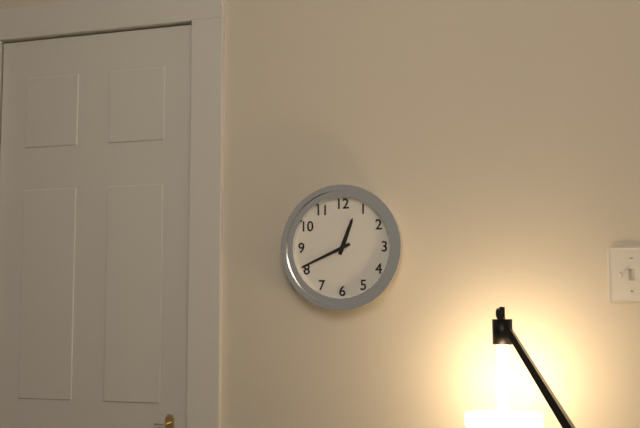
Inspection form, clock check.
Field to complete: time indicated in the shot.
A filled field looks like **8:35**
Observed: **12:41**
